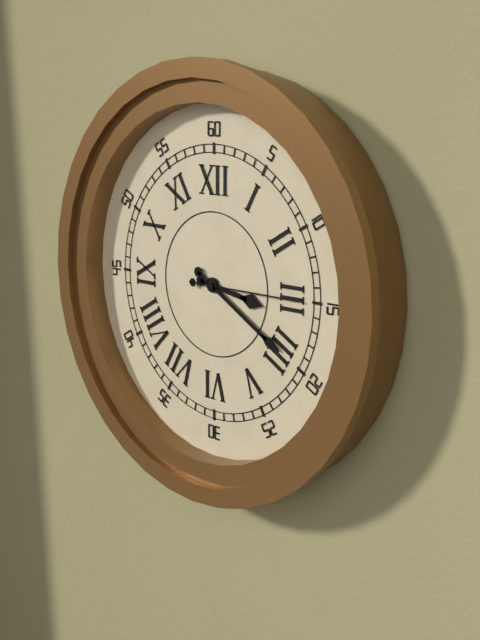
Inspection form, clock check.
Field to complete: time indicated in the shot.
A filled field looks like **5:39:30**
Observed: **3:20:15**
